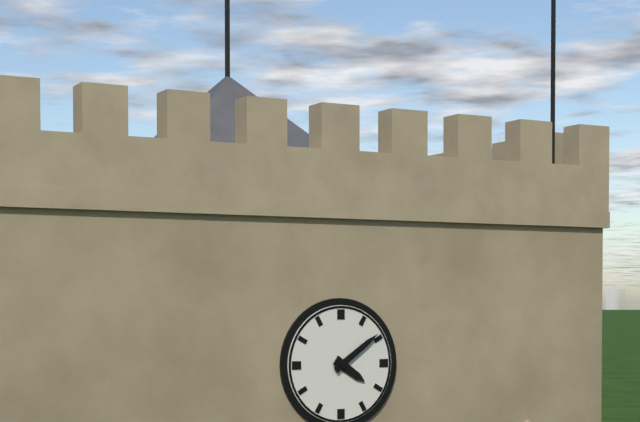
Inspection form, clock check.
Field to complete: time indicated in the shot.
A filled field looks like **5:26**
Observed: **4:09**
